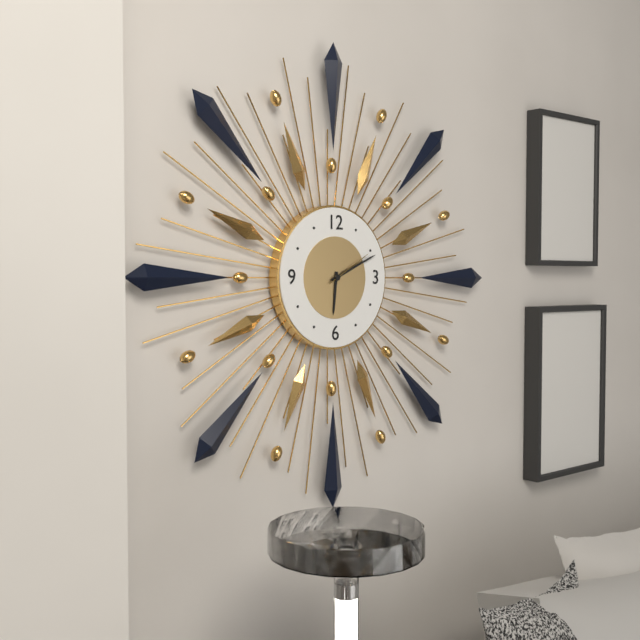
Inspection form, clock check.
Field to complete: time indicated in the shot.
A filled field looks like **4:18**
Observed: **6:11**
